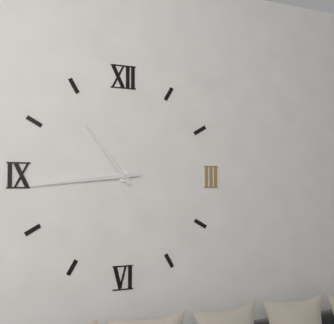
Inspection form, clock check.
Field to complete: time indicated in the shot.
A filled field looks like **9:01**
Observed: **10:44**
